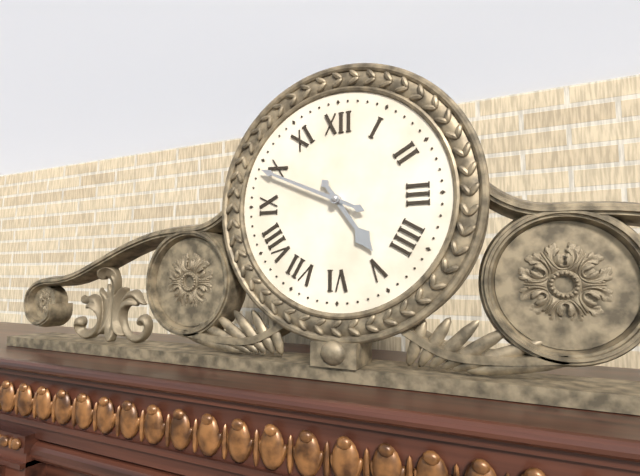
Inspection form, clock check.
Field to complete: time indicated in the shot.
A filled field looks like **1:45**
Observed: **4:49**
